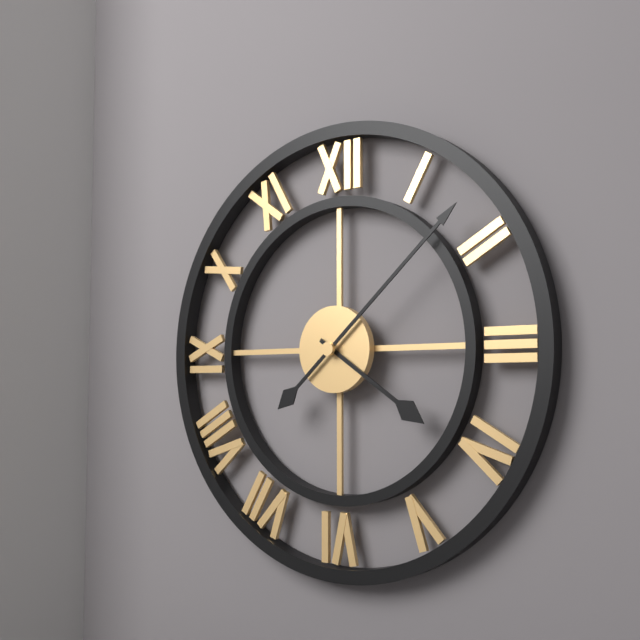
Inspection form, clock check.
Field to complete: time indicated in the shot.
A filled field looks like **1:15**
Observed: **4:08**
